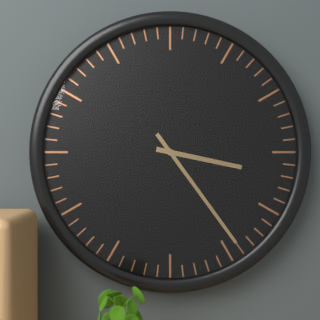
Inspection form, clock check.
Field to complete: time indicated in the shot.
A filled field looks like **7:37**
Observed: **3:24**
